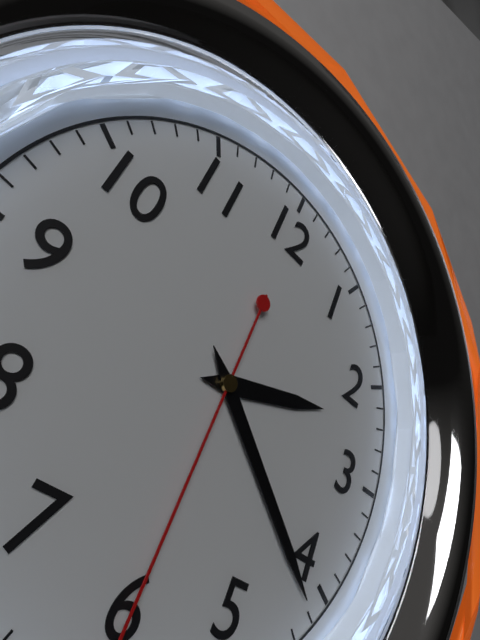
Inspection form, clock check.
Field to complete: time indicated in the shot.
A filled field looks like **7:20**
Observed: **2:21**
